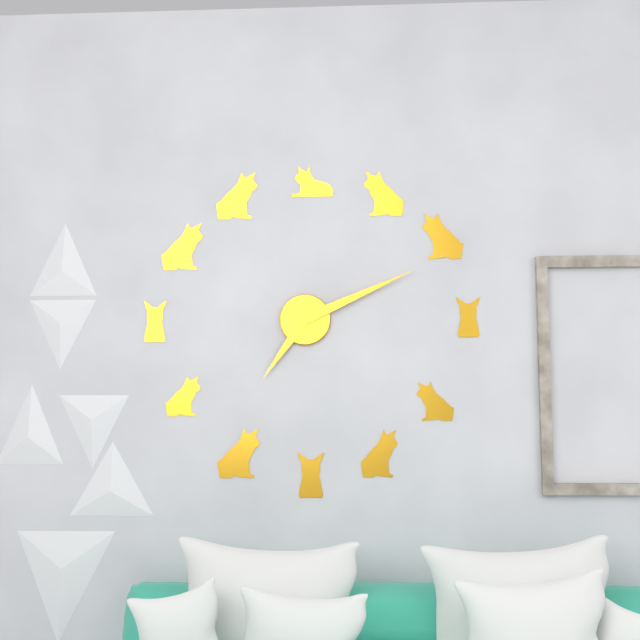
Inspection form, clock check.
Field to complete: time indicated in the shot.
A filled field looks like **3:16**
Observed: **7:11**
